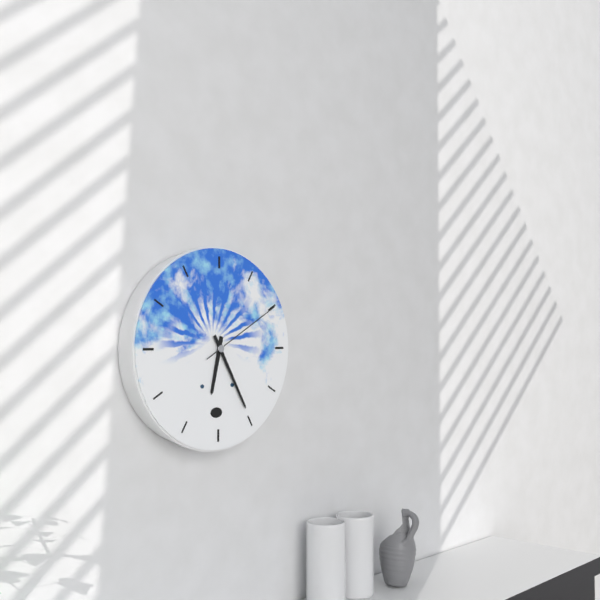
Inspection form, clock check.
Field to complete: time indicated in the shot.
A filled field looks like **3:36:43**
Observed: **6:25:10**
